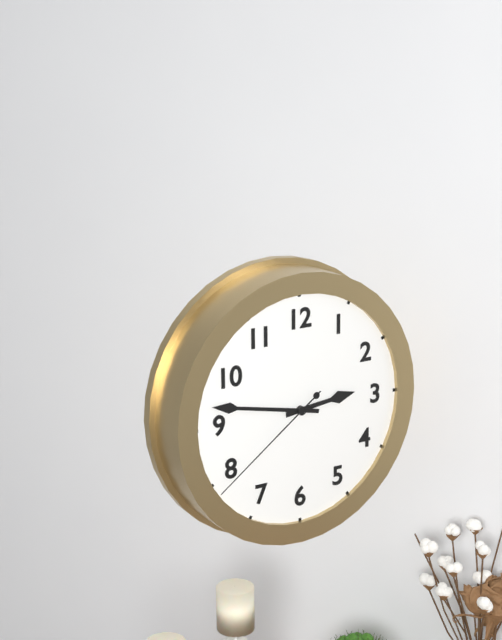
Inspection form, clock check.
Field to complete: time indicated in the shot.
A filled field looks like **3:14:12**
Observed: **2:47:39**
